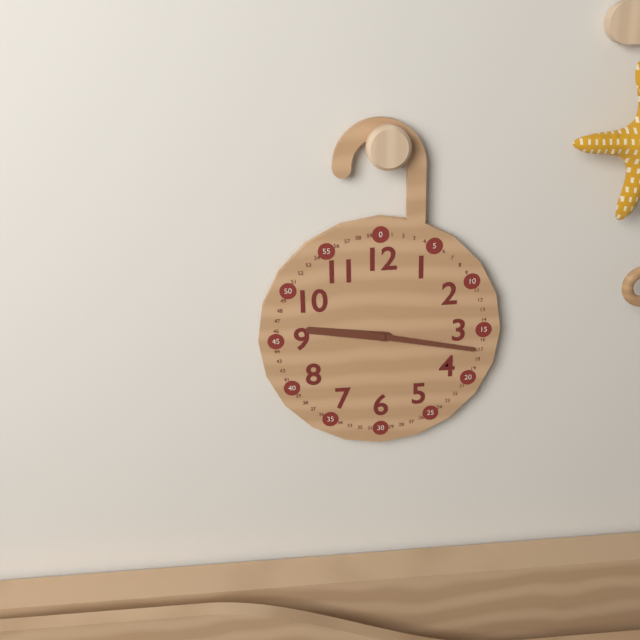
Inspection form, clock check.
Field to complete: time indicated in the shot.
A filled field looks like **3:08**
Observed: **9:17**
